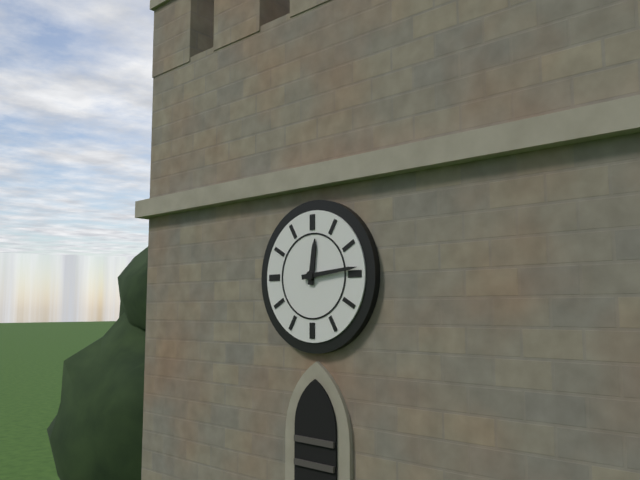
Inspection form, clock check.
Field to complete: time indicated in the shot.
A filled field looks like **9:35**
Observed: **12:14**
